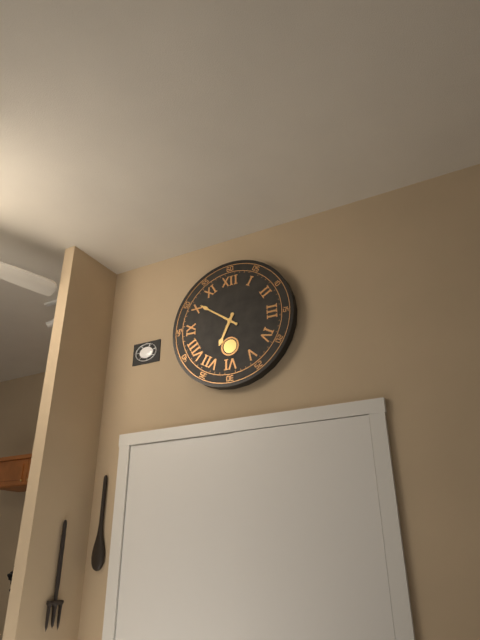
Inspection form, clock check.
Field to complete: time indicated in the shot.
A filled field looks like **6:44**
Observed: **6:51**
